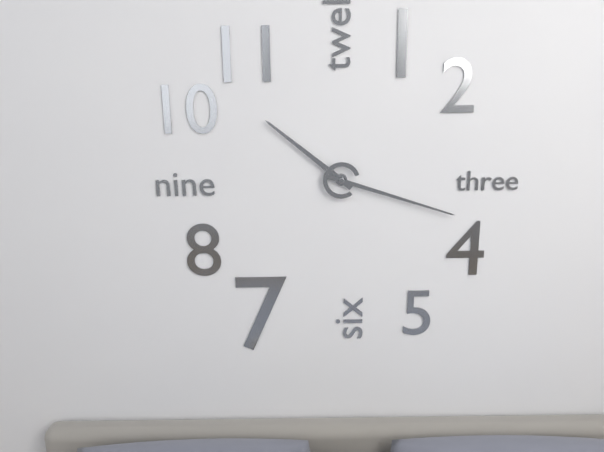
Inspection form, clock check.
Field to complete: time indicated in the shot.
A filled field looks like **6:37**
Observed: **10:18**
